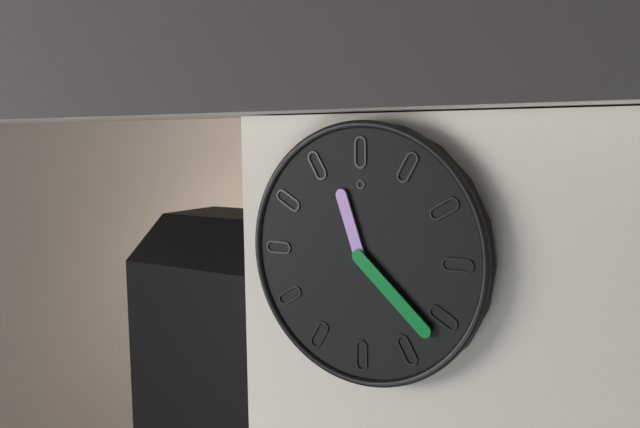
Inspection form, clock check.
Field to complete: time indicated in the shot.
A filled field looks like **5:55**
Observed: **11:22**
